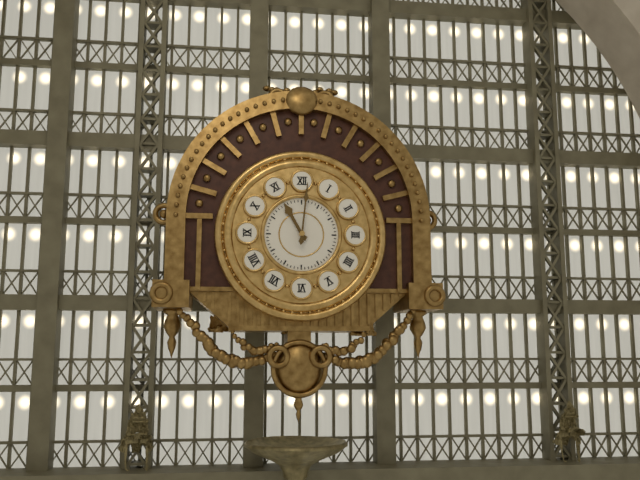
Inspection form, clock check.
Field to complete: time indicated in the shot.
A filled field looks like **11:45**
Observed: **11:01**
